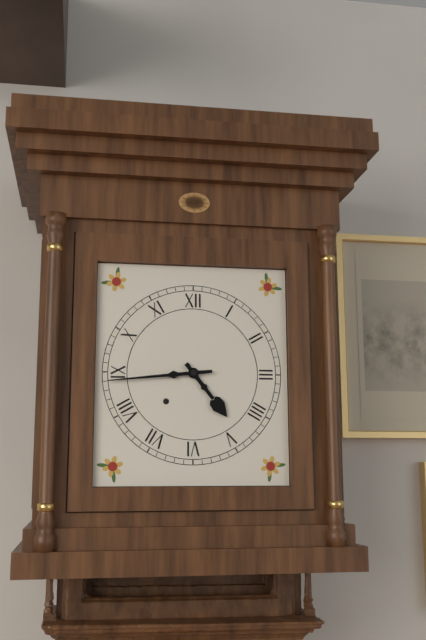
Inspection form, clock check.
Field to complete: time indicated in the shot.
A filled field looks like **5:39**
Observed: **4:44**
